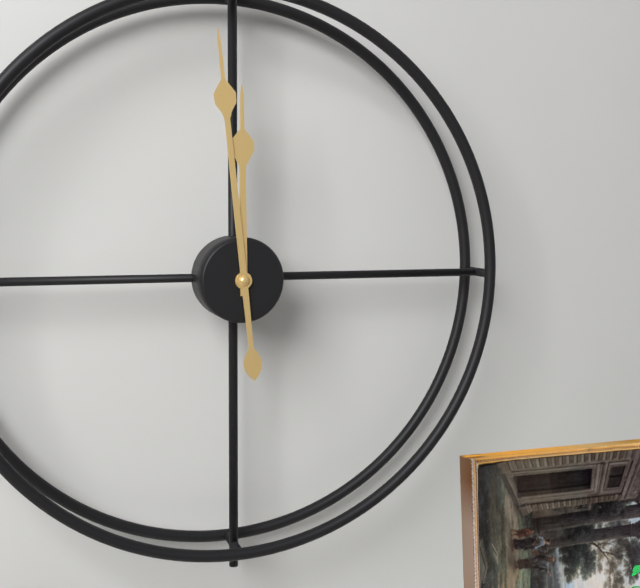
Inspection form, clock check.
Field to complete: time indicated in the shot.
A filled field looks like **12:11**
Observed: **11:59**
